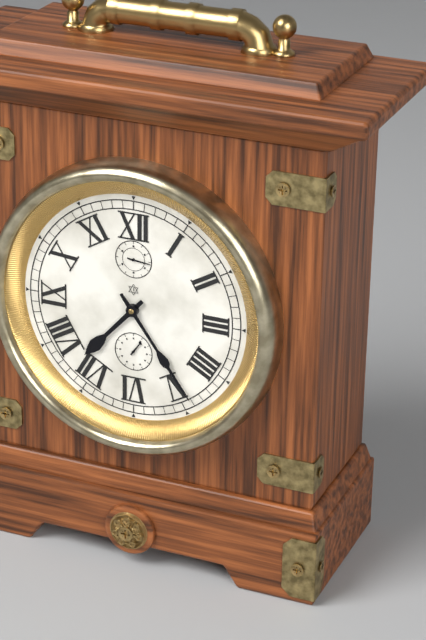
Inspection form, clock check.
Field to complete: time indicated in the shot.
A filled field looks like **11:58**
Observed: **7:24**
